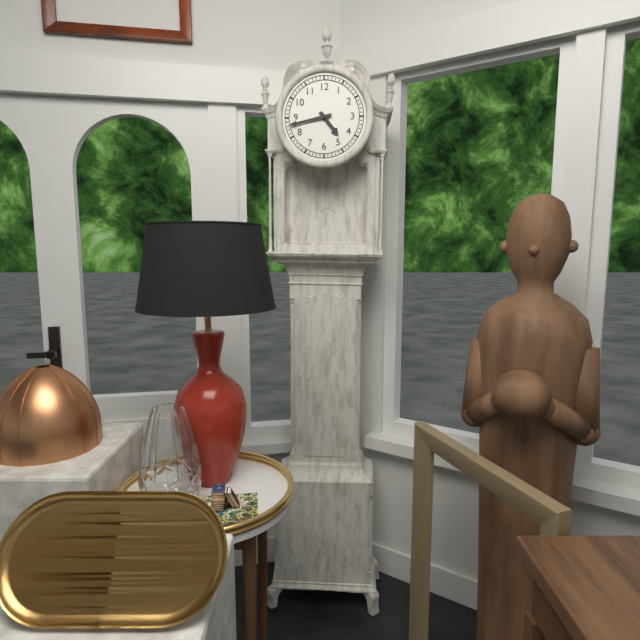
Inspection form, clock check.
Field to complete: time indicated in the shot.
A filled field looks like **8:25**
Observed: **4:43**
